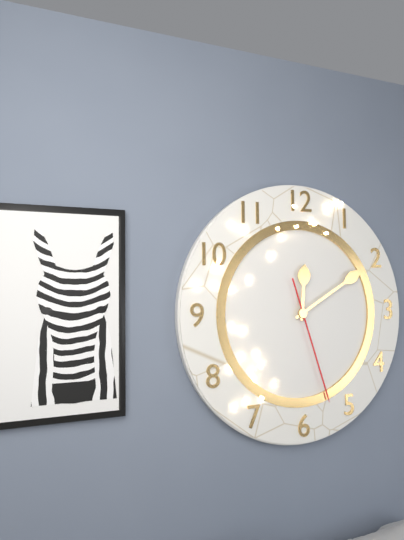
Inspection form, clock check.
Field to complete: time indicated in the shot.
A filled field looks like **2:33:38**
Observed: **12:10:27**
